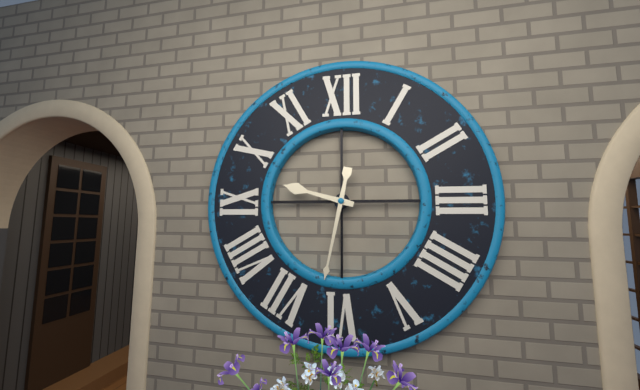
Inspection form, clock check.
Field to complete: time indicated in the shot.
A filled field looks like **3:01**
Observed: **9:32**
